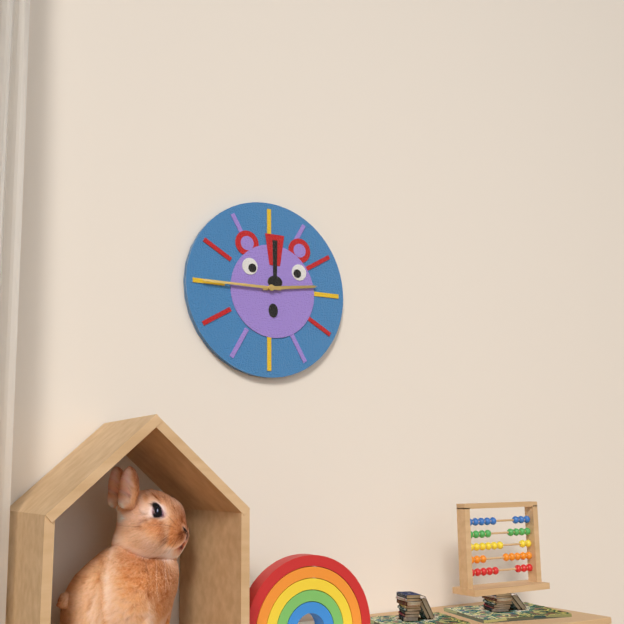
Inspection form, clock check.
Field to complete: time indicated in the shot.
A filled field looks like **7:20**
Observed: **2:45**
